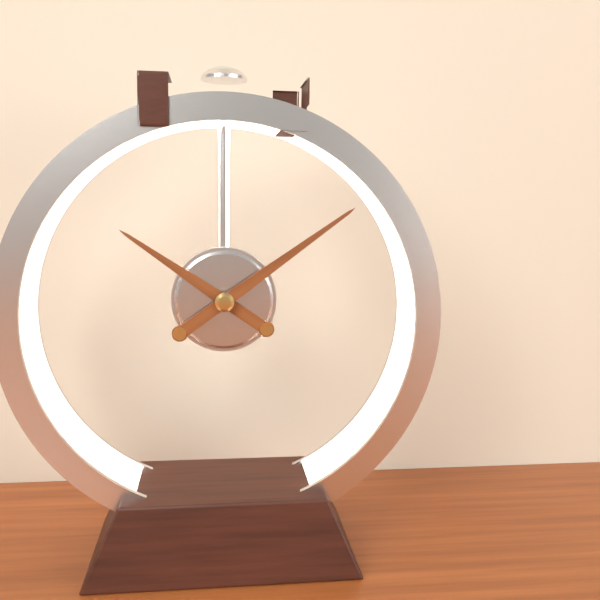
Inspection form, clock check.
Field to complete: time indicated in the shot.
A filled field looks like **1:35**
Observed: **10:09**
